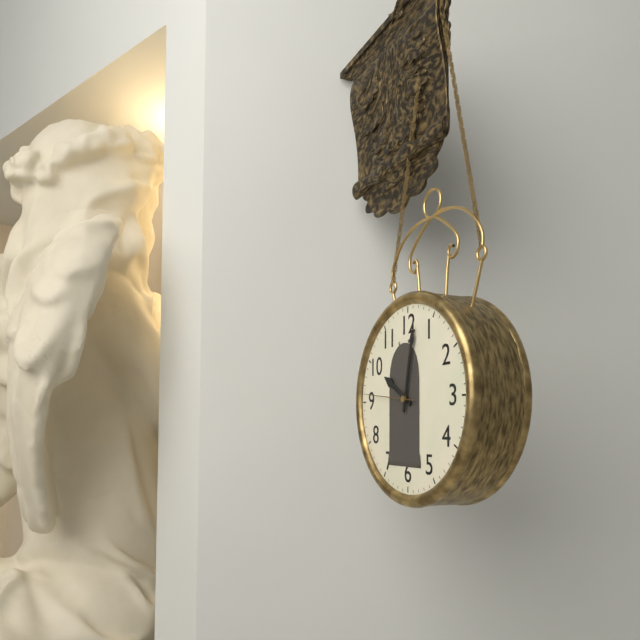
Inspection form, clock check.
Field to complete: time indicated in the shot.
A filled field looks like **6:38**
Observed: **10:02**
